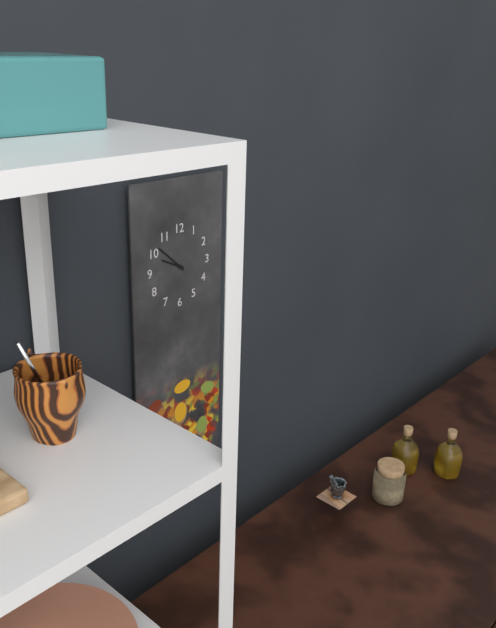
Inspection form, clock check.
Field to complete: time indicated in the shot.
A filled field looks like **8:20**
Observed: **9:52**
